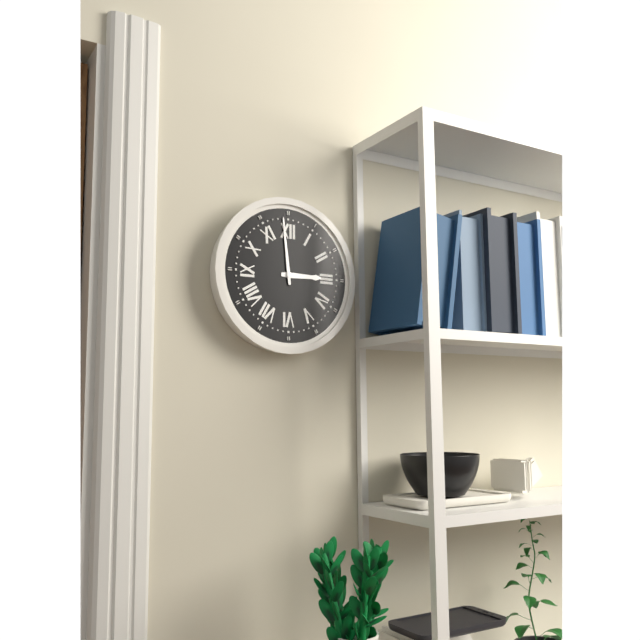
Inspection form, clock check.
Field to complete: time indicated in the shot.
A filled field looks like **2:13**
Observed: **2:59**
